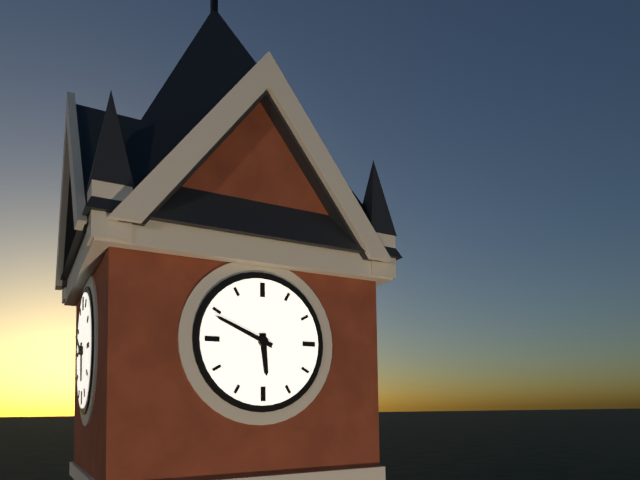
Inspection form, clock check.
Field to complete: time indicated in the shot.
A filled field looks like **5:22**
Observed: **5:49**
